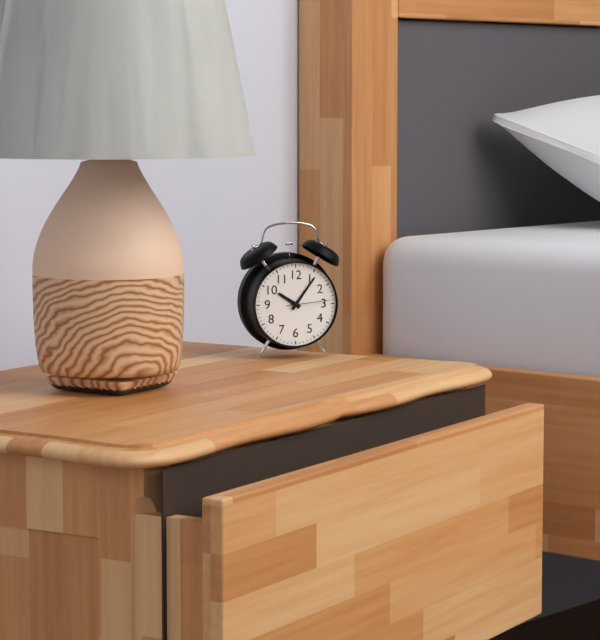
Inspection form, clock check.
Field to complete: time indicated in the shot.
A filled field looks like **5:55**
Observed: **10:06**
